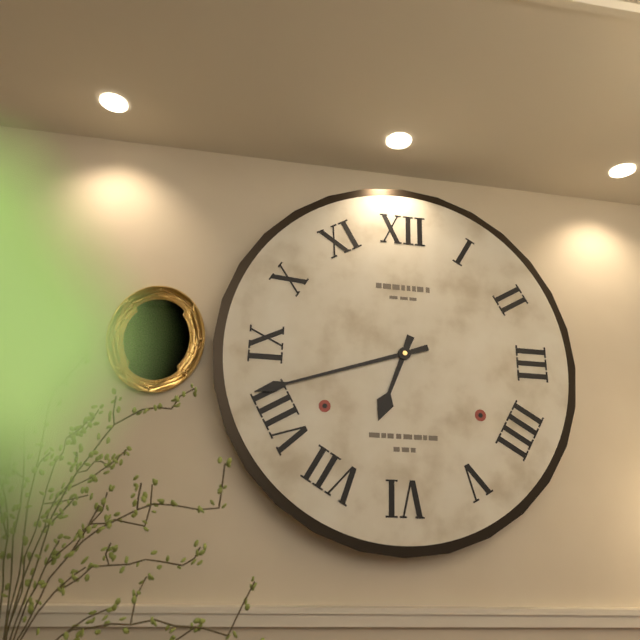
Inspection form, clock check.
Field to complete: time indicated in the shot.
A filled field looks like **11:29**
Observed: **6:42**
